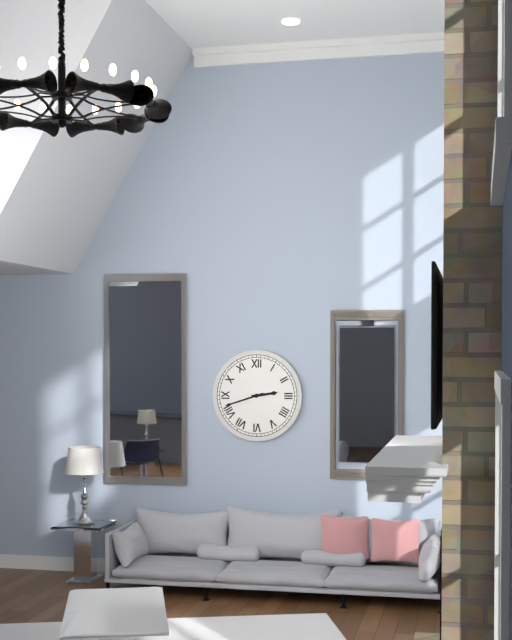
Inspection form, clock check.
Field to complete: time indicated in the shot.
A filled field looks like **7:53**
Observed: **2:42**
